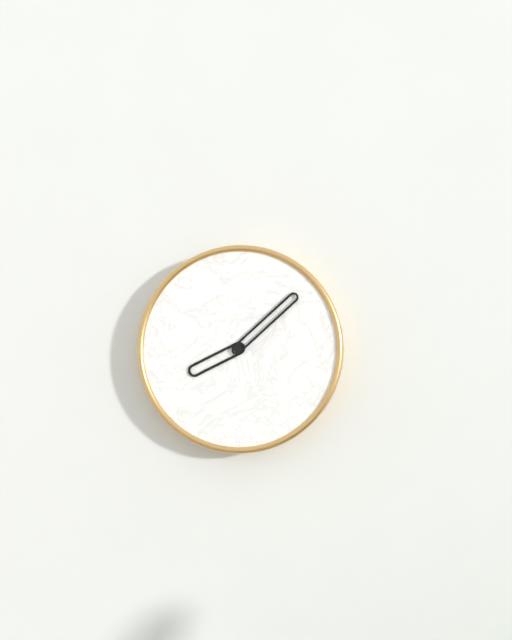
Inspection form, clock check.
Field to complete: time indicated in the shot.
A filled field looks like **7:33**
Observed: **8:08**
